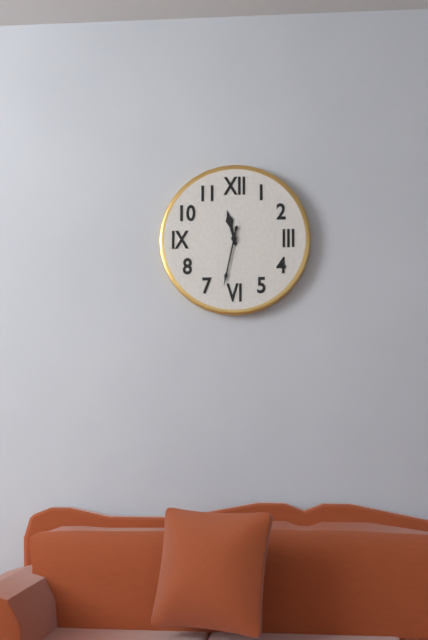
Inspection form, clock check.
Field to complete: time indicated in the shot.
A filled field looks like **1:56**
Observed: **11:32**
